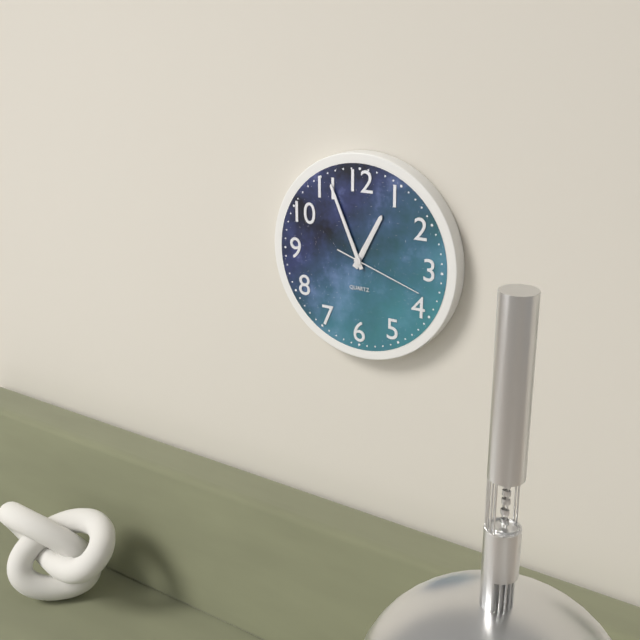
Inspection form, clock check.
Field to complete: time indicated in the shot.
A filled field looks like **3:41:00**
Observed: **12:56:18**
